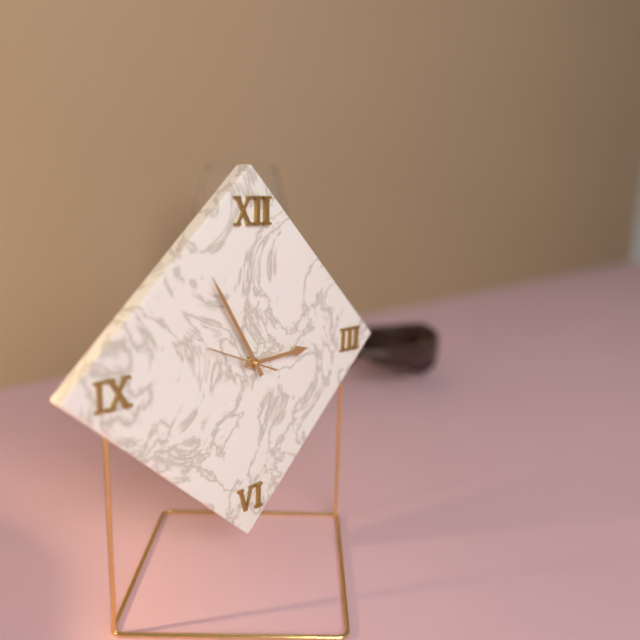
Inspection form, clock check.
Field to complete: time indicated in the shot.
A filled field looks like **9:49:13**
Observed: **2:55:49**
